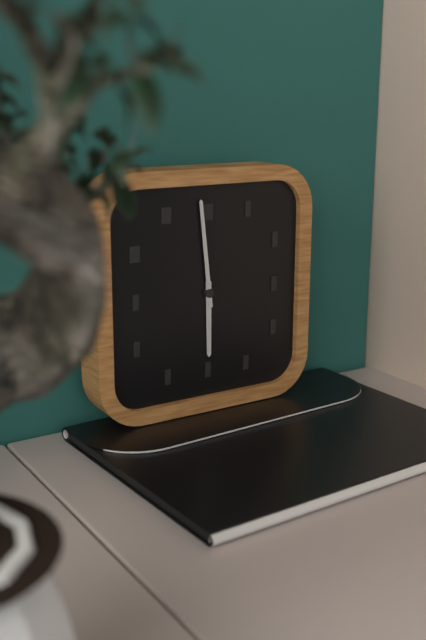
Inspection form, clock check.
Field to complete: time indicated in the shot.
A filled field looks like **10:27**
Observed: **5:59**
